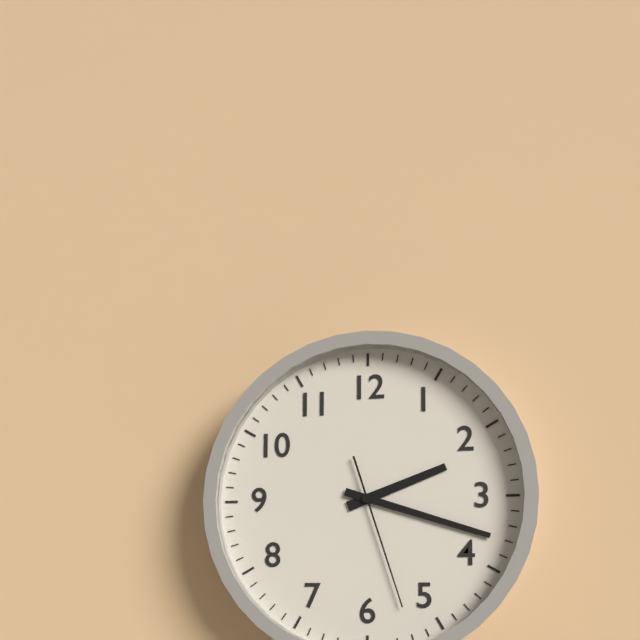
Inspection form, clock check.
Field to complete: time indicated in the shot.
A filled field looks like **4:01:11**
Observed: **2:18:27**
